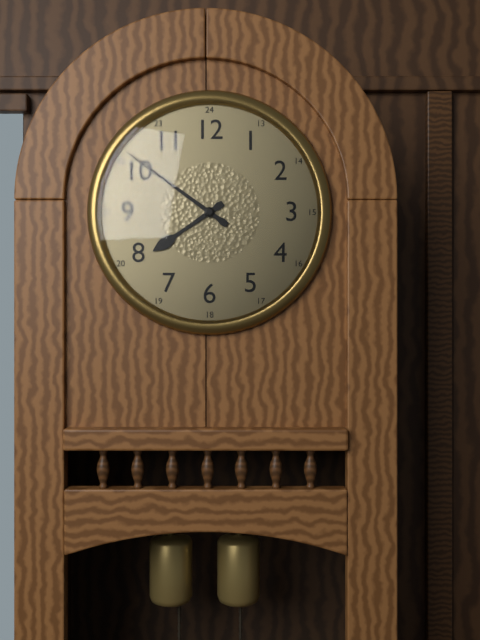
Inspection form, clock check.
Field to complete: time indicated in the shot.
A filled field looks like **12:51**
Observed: **7:51**
